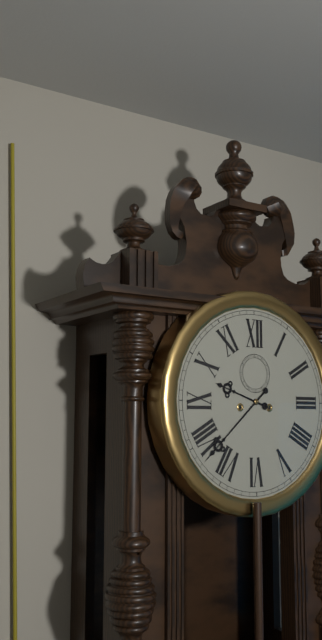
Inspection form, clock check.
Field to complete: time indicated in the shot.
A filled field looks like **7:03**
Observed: **9:38**
